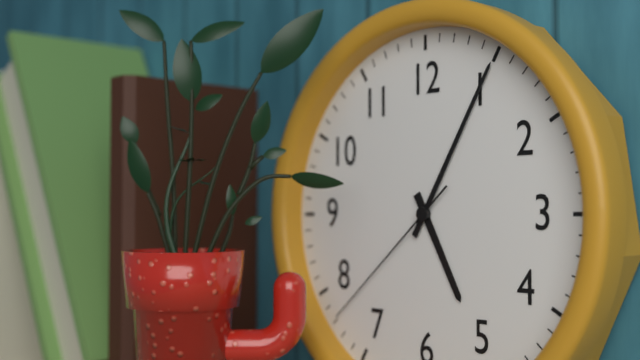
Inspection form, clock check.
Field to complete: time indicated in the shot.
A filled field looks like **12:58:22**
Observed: **5:05:38**
